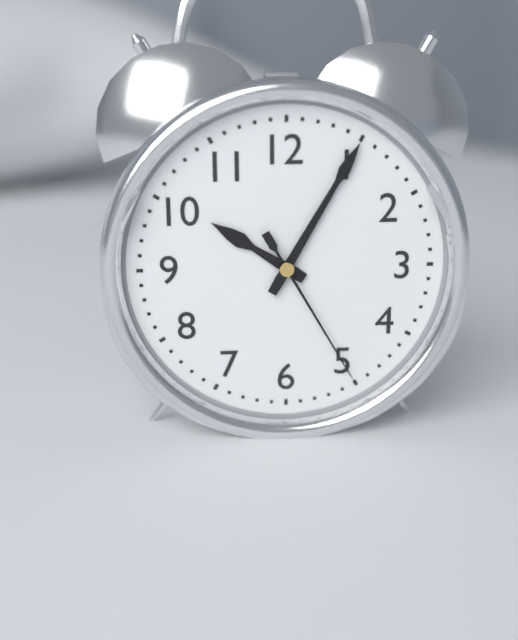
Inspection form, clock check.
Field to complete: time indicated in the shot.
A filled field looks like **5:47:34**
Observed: **10:05:25**
